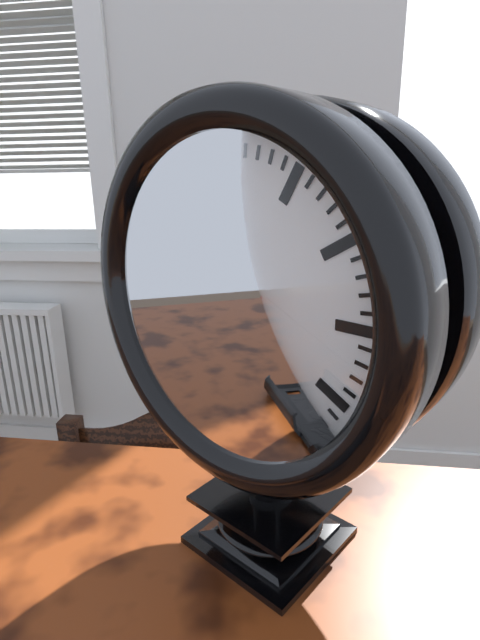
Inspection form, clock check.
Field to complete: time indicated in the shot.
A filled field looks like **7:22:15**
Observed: **9:33:42**
